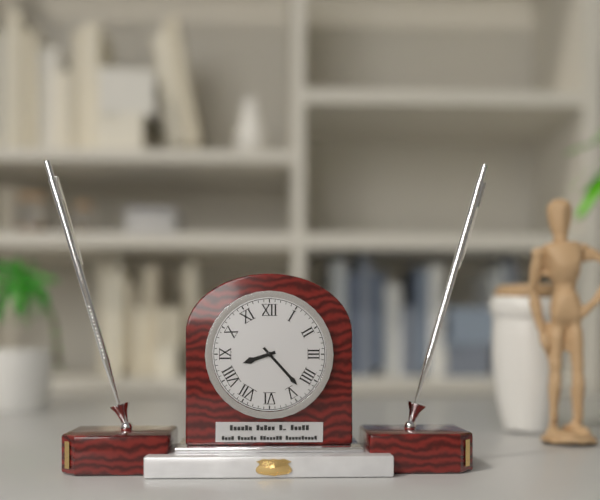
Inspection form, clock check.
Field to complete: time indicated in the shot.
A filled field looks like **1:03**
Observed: **8:23**
